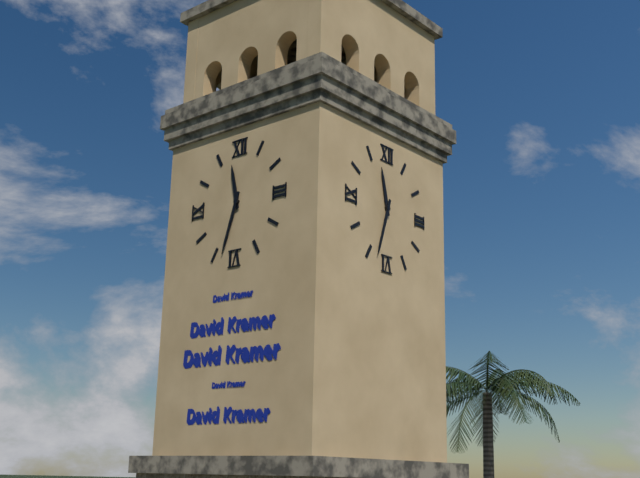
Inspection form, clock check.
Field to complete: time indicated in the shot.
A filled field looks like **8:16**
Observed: **11:33**
